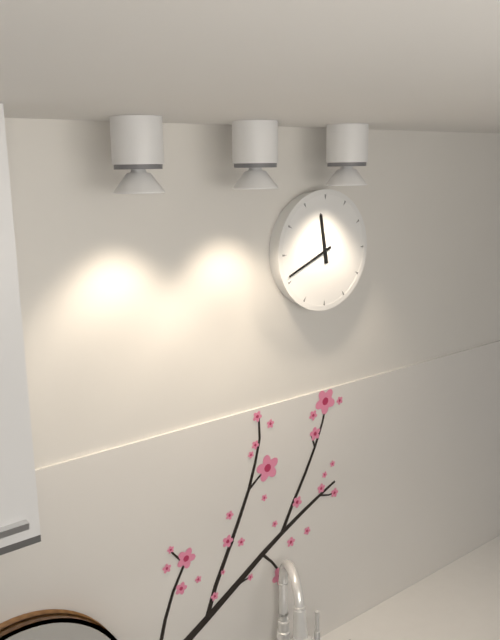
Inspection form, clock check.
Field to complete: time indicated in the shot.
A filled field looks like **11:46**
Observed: **11:41**
